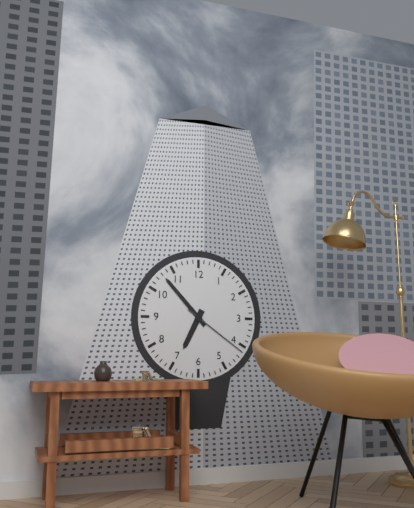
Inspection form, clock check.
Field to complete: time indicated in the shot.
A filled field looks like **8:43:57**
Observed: **6:53:21**
